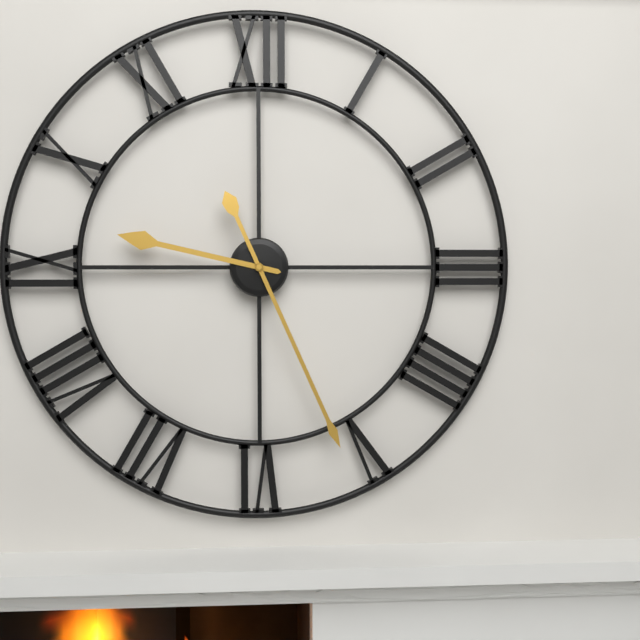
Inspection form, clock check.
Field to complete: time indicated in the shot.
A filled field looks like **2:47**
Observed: **9:26**
